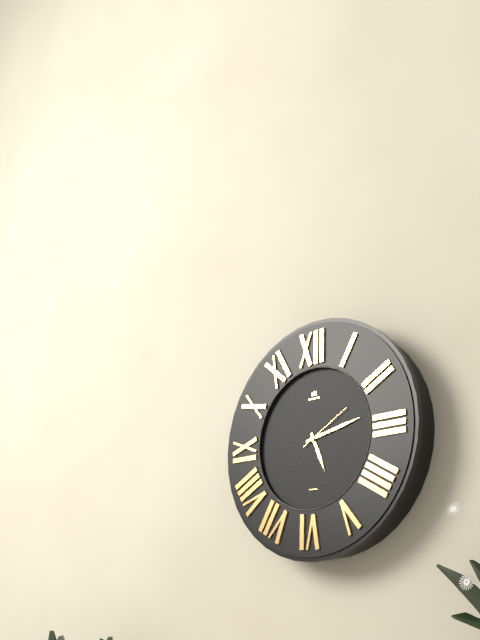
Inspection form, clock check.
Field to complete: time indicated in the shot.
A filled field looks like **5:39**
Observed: **5:13**
